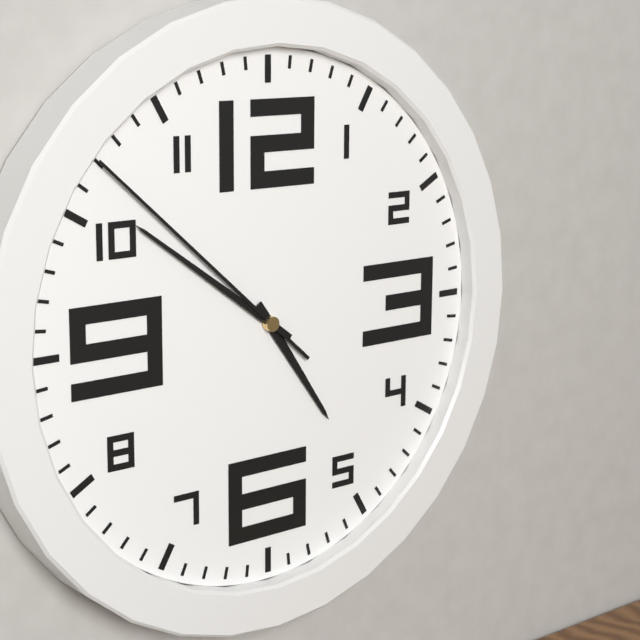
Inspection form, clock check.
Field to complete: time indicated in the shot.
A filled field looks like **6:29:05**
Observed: **4:51:52**
